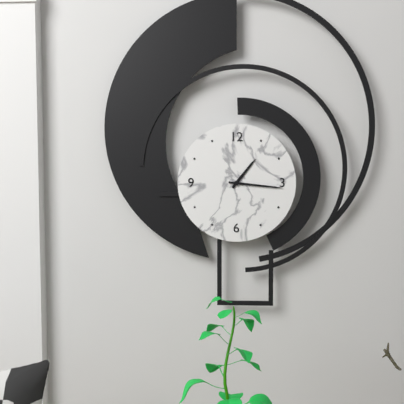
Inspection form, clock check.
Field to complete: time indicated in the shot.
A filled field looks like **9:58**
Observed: **1:16**
